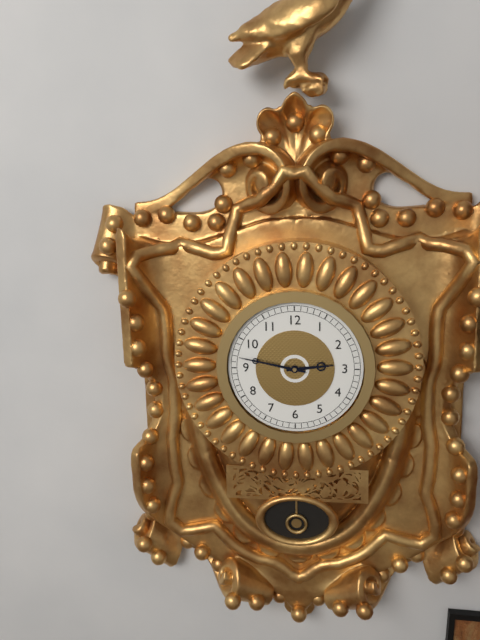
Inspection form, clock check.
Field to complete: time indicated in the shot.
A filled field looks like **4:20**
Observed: **2:47**
